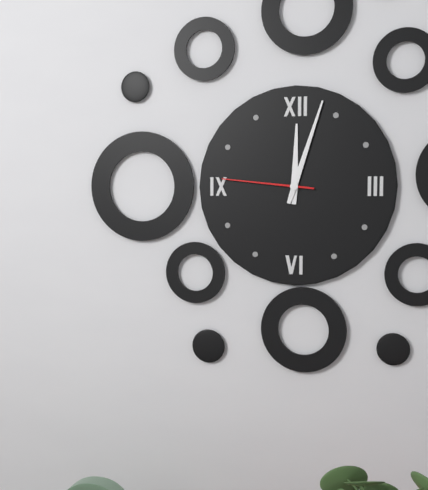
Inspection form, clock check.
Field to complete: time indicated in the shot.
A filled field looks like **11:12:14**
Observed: **12:03:46**
